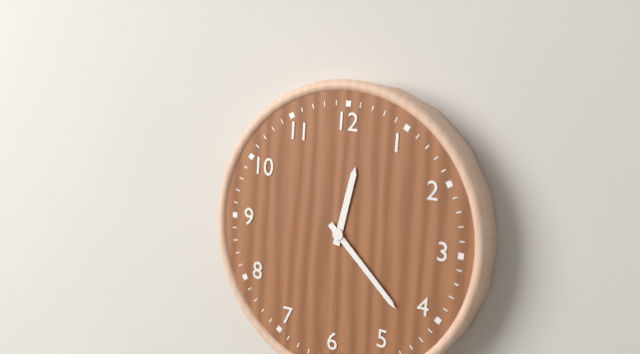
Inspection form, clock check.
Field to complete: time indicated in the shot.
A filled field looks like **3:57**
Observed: **12:22**
